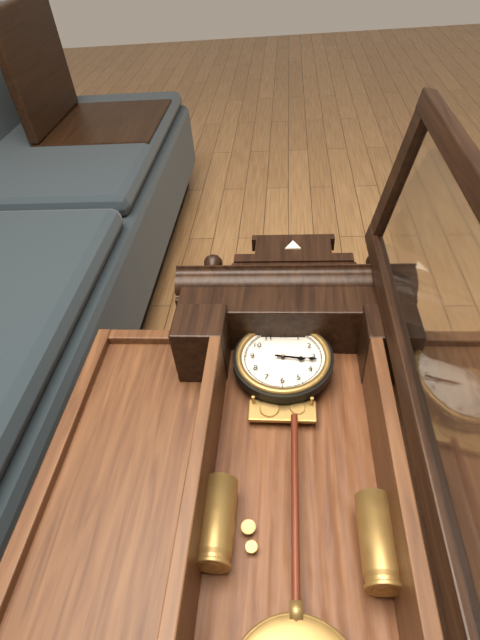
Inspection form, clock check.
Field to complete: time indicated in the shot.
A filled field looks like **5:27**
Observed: **3:16**
